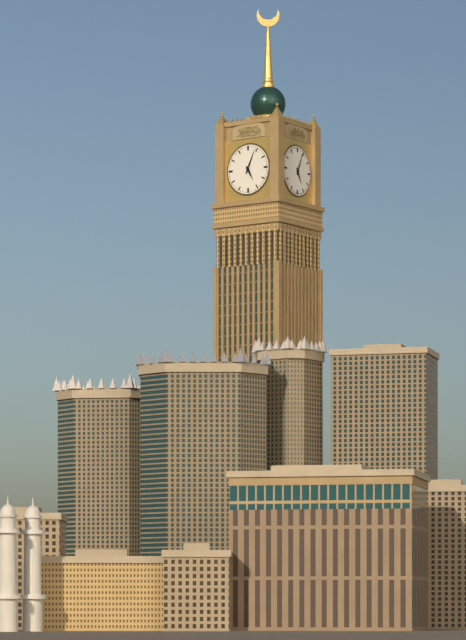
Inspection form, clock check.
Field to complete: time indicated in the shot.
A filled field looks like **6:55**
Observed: **5:04**
